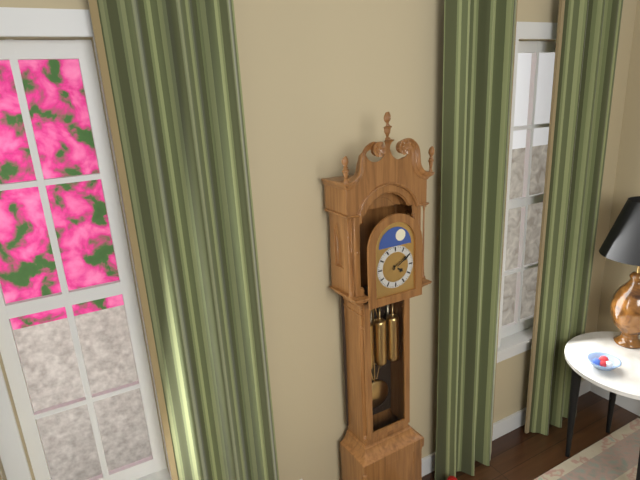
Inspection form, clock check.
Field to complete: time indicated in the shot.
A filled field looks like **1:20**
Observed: **4:10**
